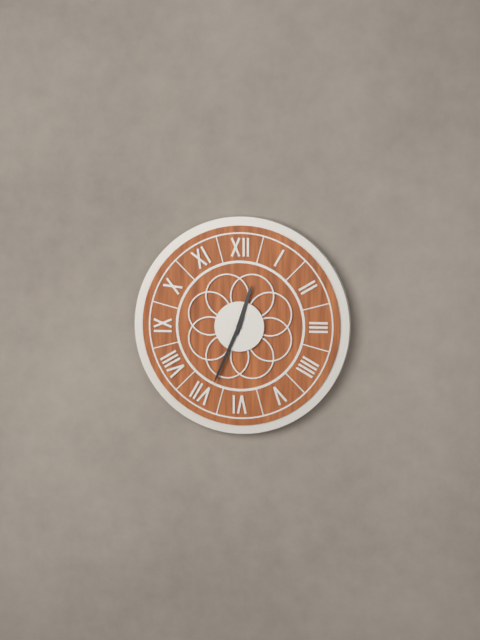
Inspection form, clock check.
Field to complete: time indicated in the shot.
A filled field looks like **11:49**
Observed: **12:34**
